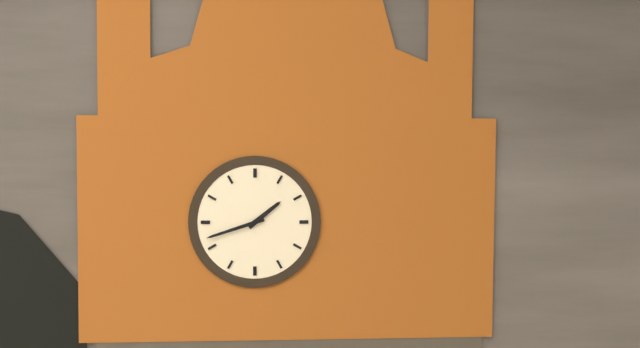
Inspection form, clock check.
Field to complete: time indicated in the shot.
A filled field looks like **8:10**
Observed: **1:42**
